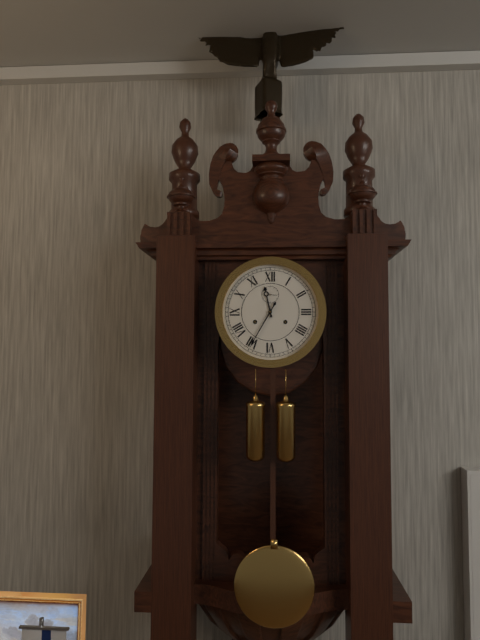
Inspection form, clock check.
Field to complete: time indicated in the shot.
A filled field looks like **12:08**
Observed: **11:35**
